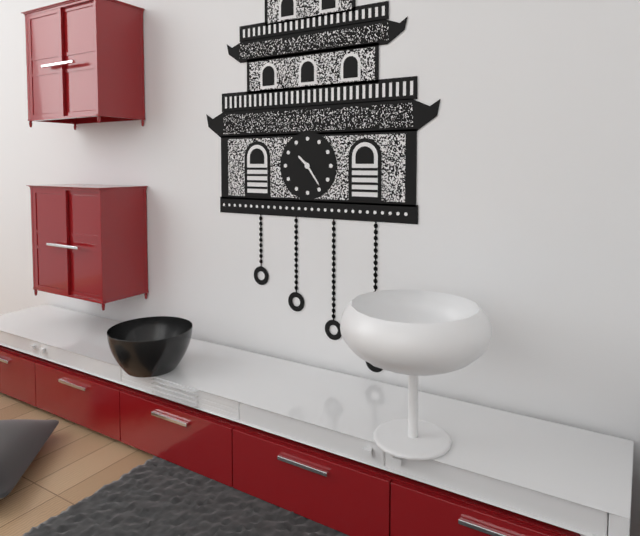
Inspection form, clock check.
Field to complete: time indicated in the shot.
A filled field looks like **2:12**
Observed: **10:24**
